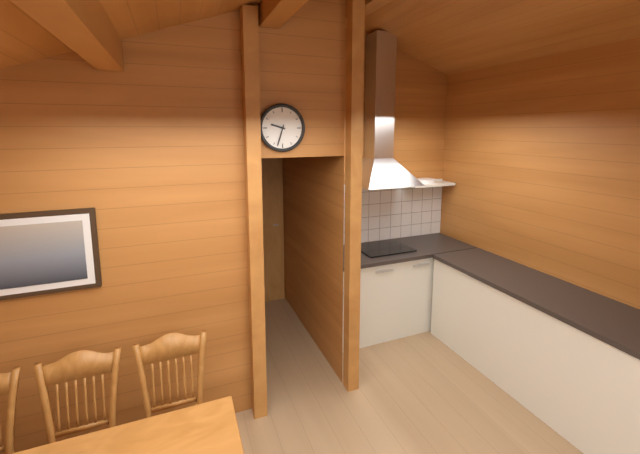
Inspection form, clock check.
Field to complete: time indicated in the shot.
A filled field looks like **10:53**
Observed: **9:33**
